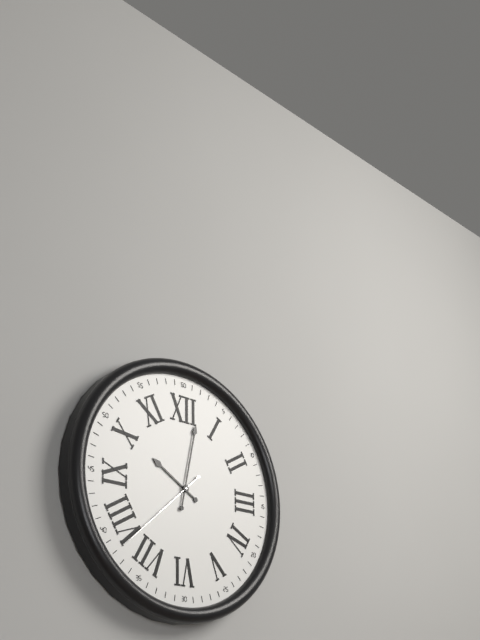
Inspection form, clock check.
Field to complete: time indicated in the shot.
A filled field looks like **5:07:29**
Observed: **10:02:38**
